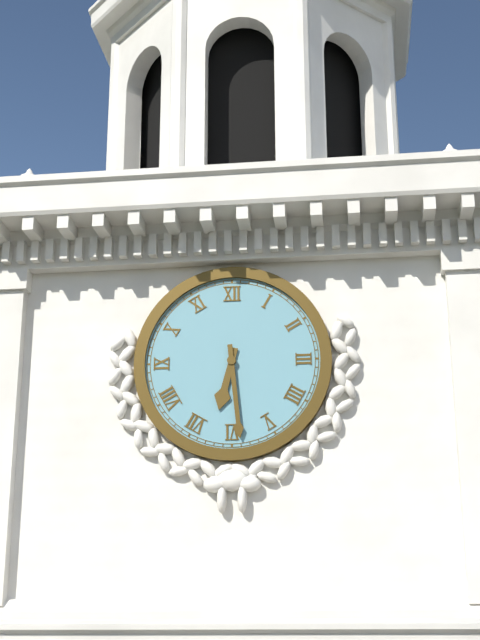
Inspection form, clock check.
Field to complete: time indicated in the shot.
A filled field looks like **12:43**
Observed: **6:29**
